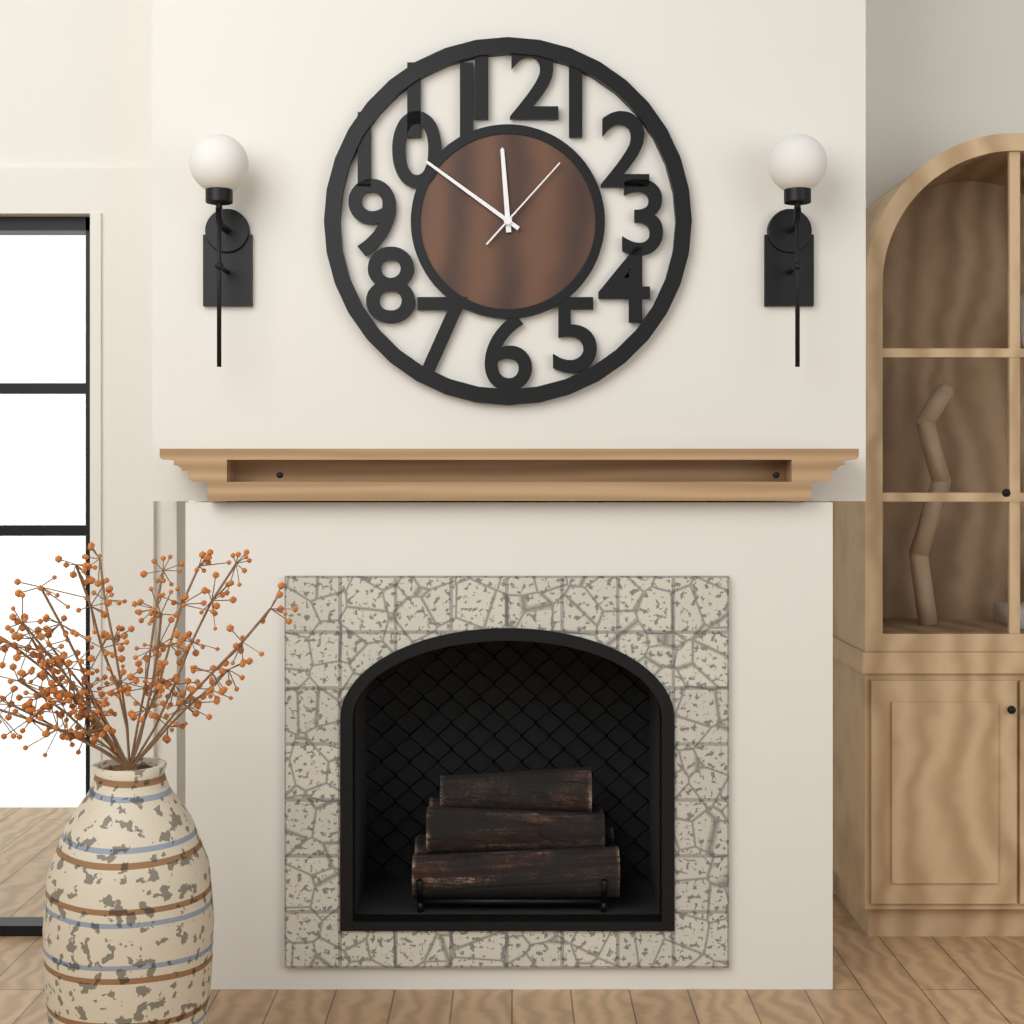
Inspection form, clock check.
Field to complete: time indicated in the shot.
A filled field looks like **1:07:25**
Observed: **11:51:07**
